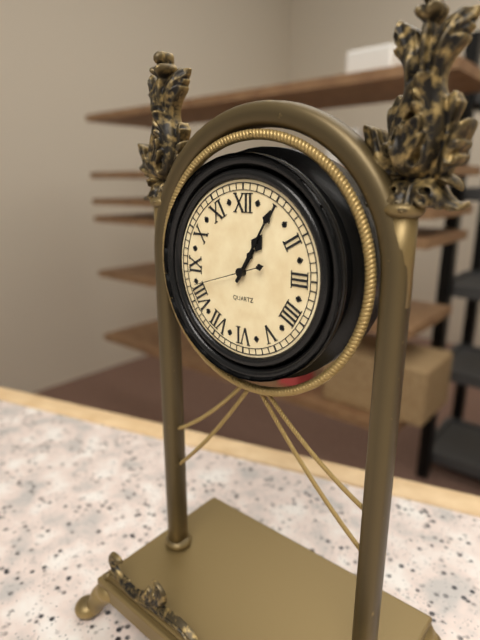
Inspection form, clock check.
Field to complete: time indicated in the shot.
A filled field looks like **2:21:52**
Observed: **1:05:42**
